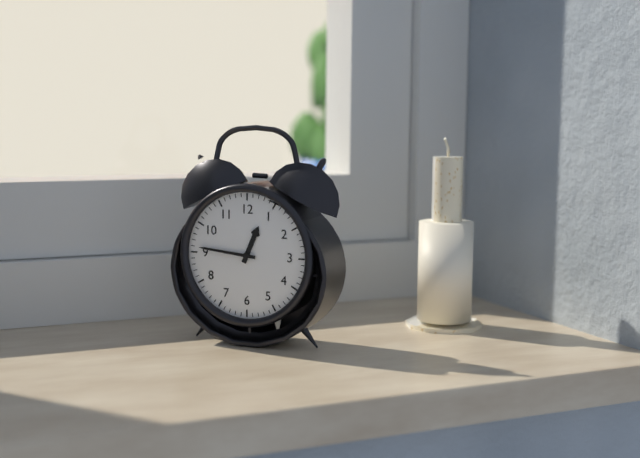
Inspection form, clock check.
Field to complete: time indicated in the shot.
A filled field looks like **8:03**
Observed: **12:46**
